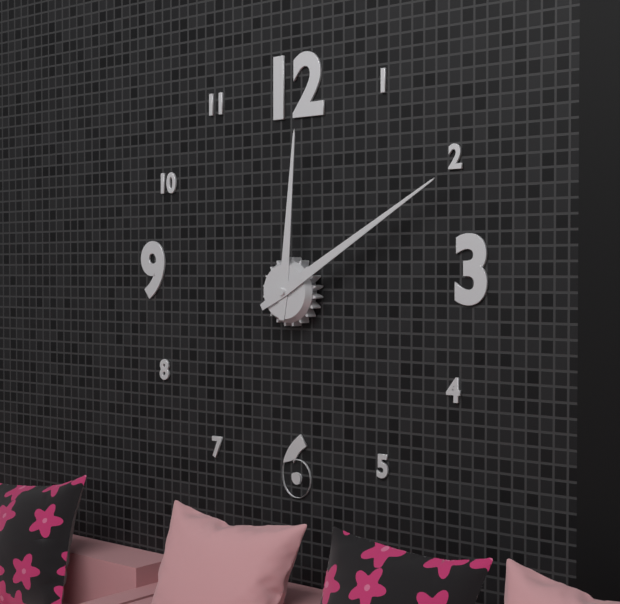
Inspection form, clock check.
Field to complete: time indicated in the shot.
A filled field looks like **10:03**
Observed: **12:10**
